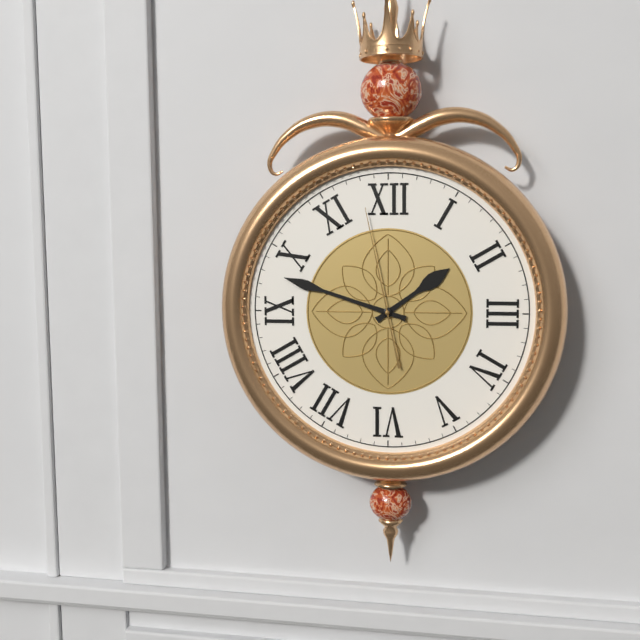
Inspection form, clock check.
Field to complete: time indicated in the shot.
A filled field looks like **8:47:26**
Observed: **1:48:58**
